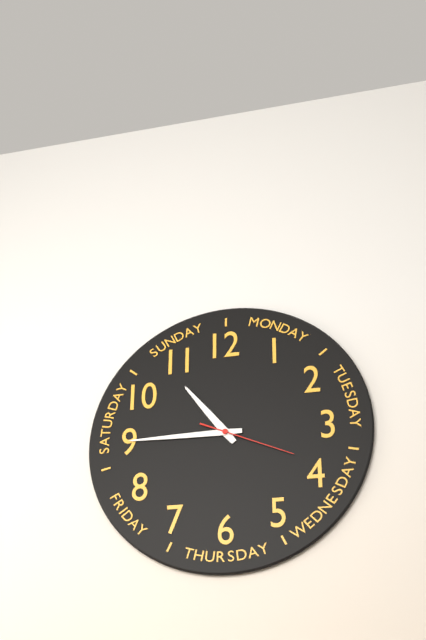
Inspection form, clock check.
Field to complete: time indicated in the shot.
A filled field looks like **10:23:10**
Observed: **10:45:19**
